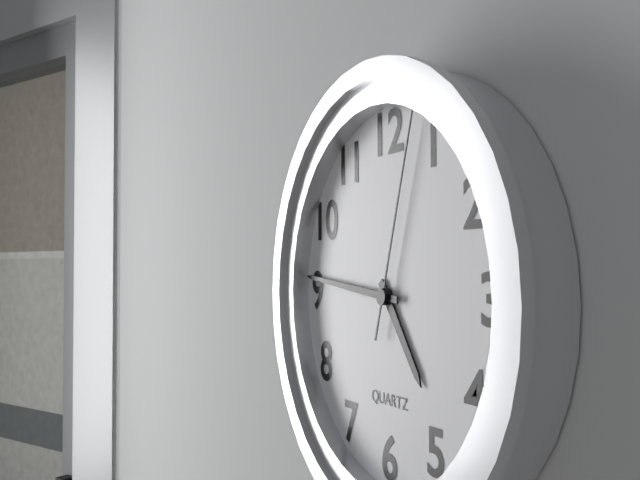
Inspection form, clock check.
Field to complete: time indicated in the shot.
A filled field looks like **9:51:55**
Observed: **4:46:03**
